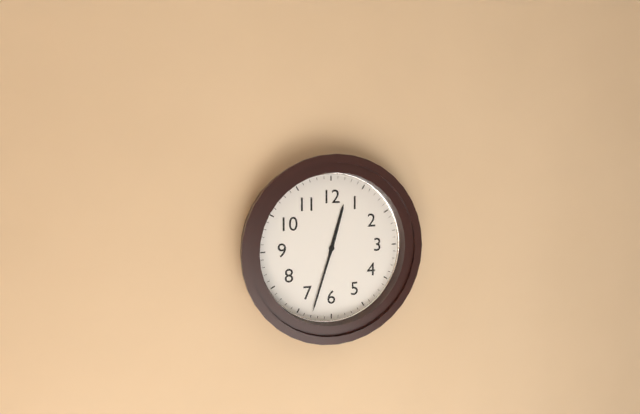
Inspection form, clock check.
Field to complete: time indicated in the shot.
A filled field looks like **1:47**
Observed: **12:33**
